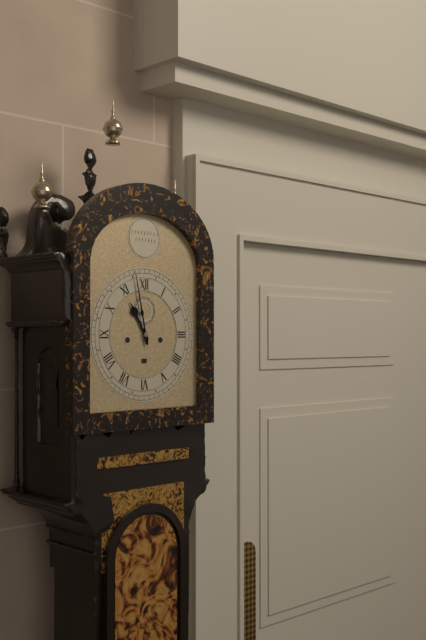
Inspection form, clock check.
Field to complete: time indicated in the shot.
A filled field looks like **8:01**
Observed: **10:58**
